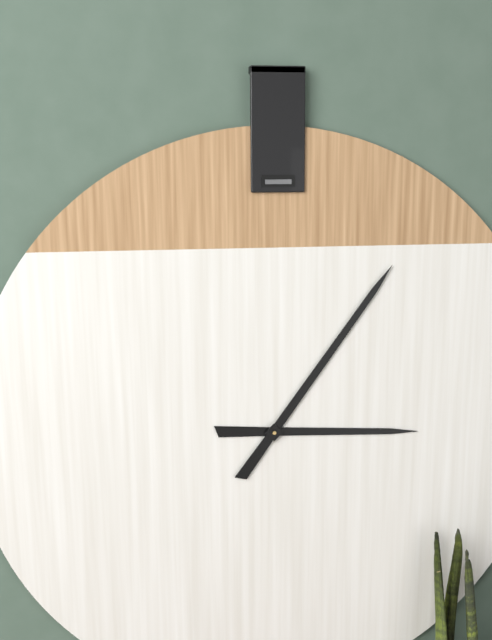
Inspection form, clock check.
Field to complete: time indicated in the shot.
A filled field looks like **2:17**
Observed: **3:06**
